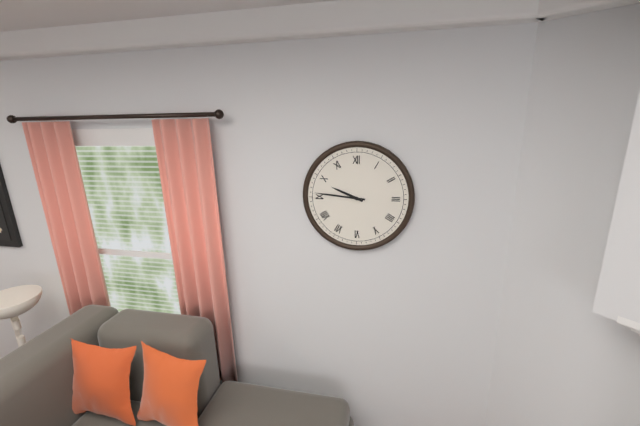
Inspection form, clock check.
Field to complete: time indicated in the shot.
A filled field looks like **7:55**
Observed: **9:46**
